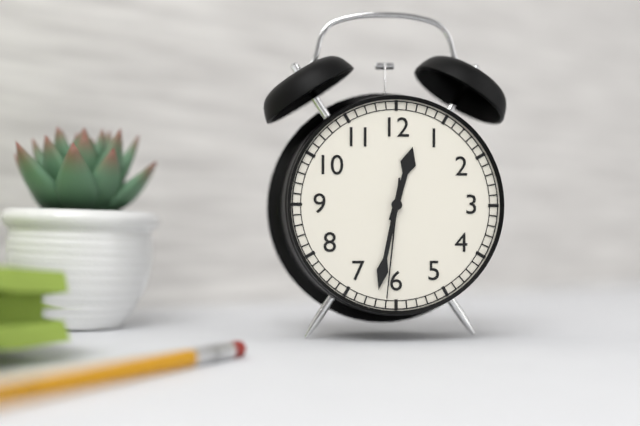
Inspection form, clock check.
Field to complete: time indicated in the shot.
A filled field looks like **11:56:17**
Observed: **12:32:31**
